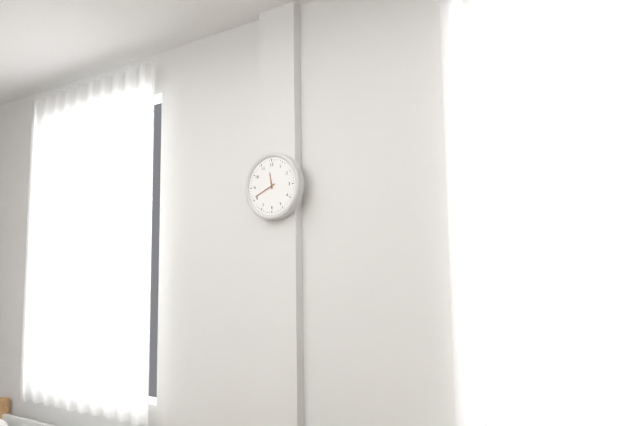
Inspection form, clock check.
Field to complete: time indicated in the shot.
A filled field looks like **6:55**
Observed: **11:41**
